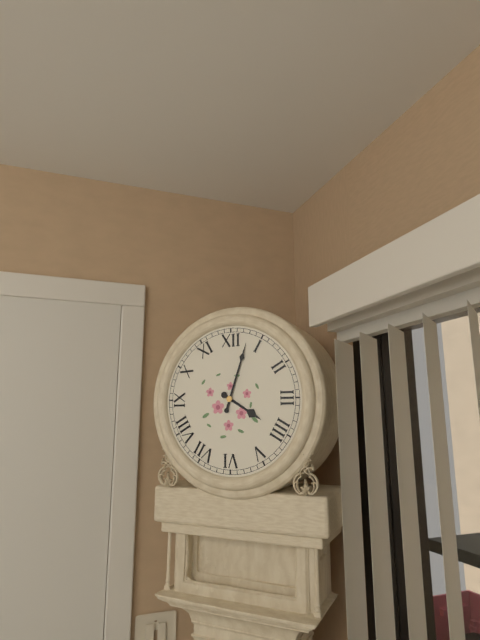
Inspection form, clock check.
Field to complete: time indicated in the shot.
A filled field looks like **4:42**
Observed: **4:03**
